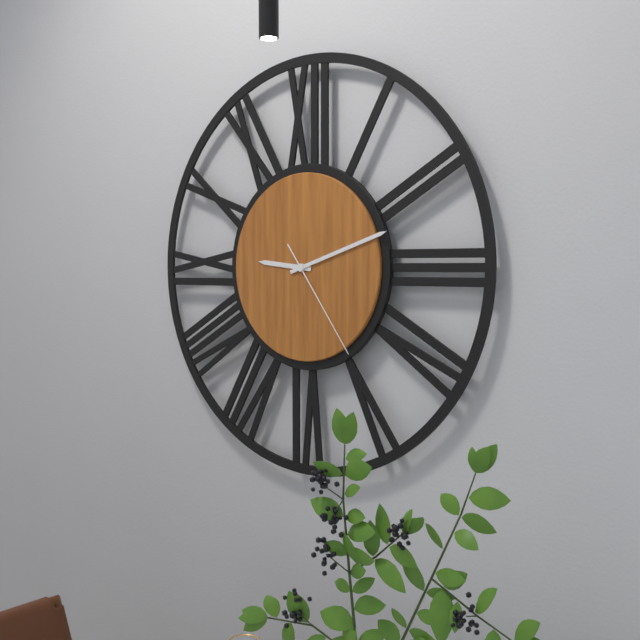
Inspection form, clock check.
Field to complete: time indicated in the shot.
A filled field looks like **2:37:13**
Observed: **9:12:24**
